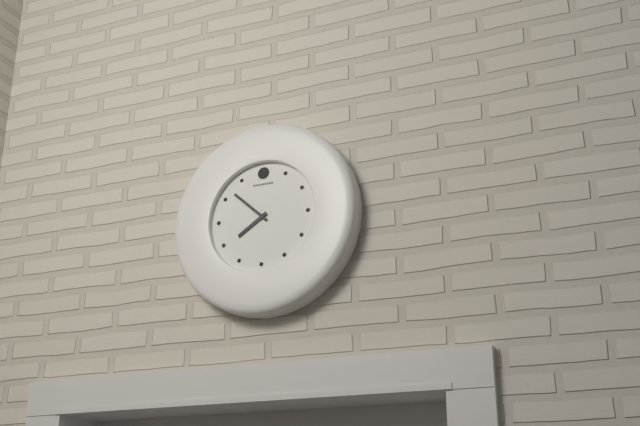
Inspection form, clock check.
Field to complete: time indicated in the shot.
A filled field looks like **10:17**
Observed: **7:52**
